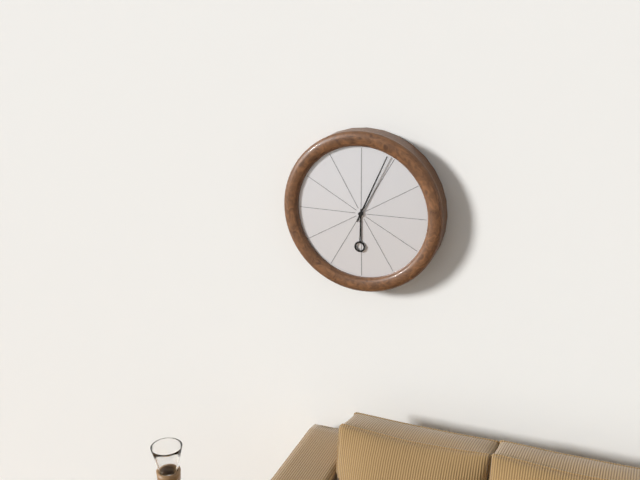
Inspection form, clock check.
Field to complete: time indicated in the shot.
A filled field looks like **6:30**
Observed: **6:04**
